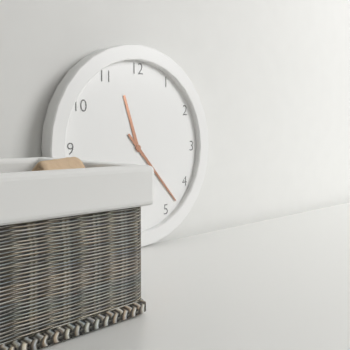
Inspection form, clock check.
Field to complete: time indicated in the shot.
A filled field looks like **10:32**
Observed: **11:23**
